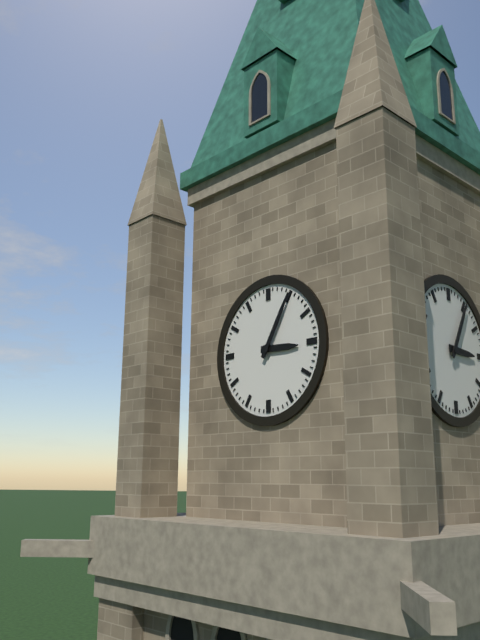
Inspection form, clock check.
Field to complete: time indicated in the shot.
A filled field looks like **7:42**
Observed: **3:05**
